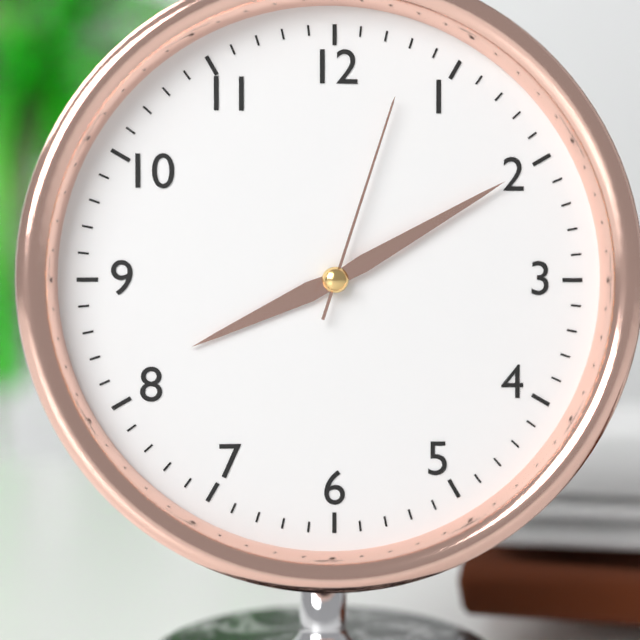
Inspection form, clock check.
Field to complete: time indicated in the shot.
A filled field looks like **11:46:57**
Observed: **8:10:03**
